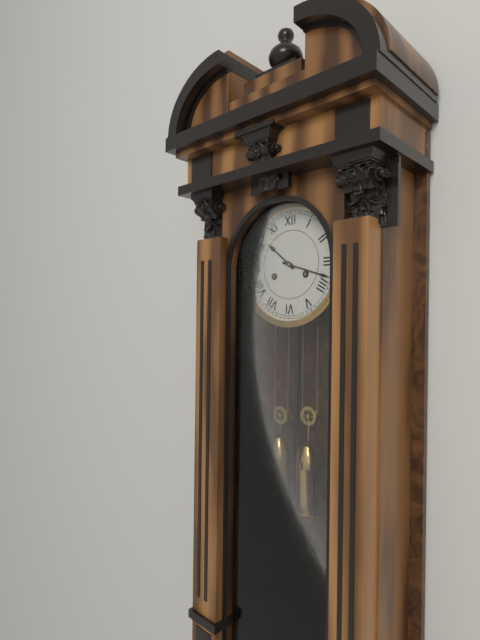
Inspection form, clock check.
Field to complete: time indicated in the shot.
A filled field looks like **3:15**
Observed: **10:18**
